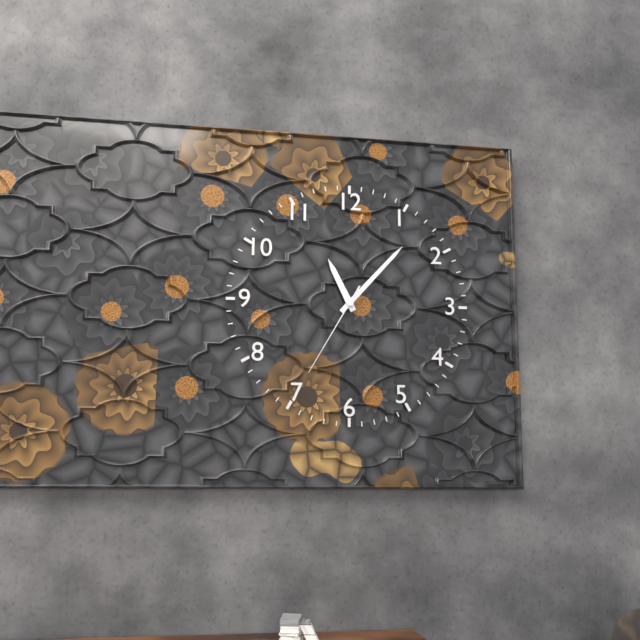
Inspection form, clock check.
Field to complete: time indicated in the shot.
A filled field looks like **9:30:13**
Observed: **11:07:35**
